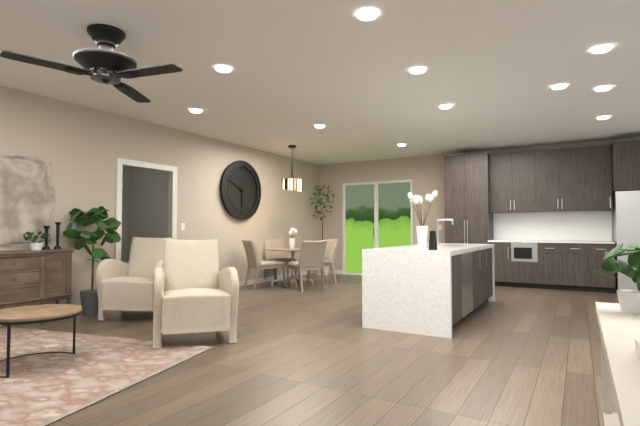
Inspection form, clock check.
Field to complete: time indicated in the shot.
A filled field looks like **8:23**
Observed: **5:49**
